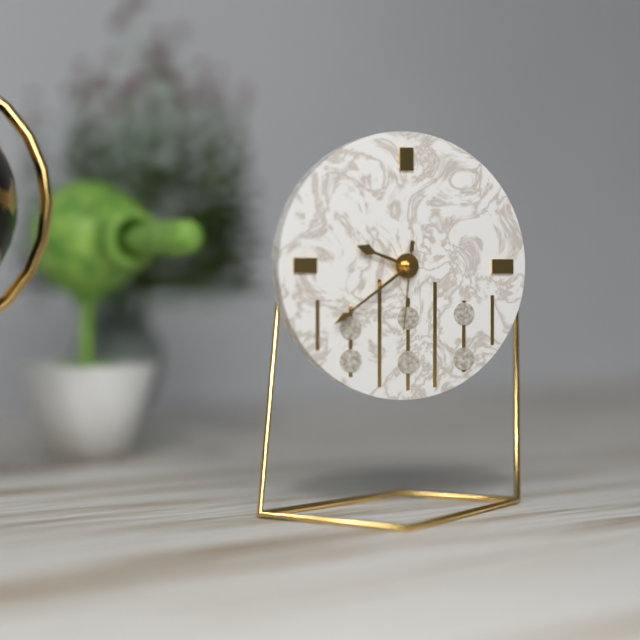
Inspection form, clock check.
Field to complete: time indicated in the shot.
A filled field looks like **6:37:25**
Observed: **9:39:31**
